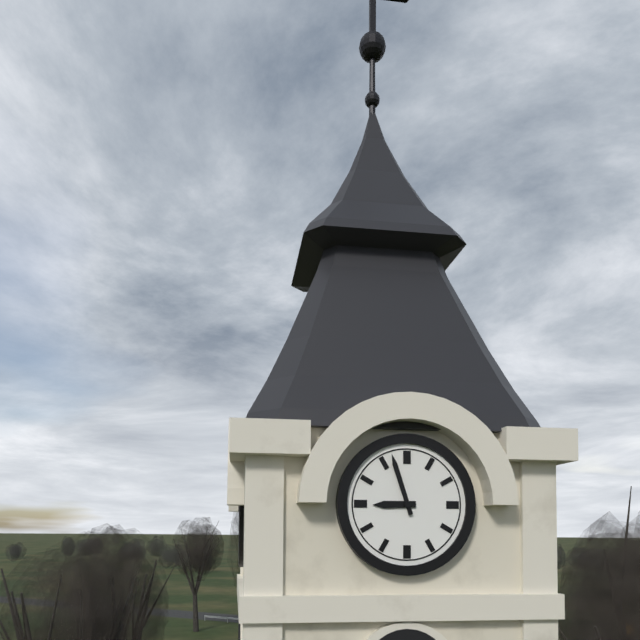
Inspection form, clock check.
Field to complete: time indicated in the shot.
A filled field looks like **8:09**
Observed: **8:57**
